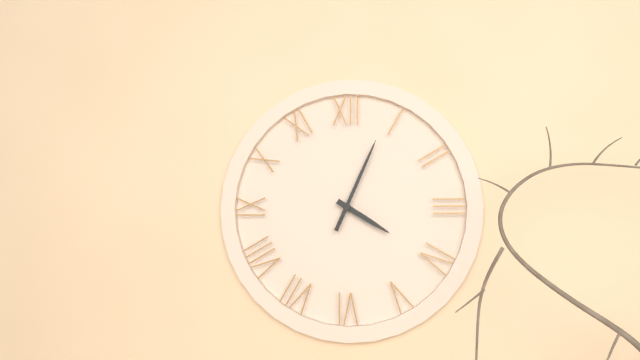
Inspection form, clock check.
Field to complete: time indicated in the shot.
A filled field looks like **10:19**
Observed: **4:04**
